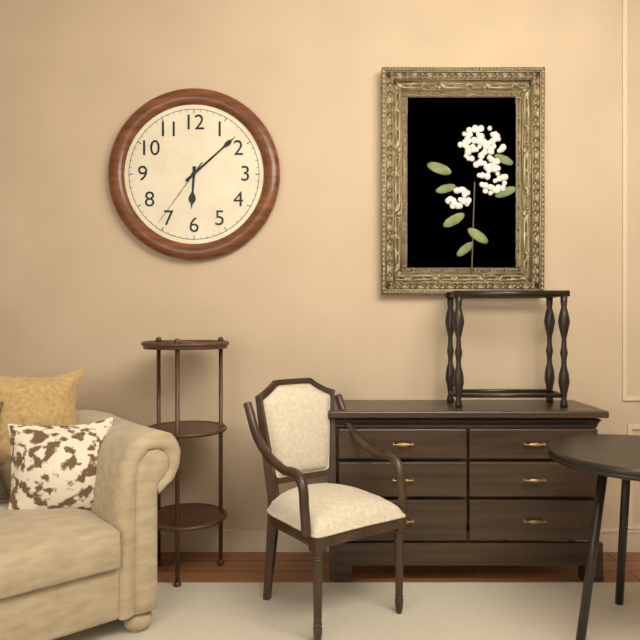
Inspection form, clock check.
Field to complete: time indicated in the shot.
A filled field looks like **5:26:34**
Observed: **6:08:36**
